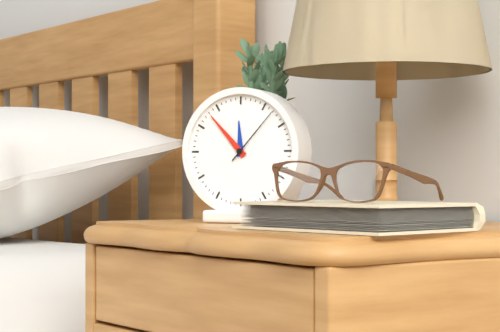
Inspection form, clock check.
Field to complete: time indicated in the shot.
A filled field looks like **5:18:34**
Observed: **11:53:07**
